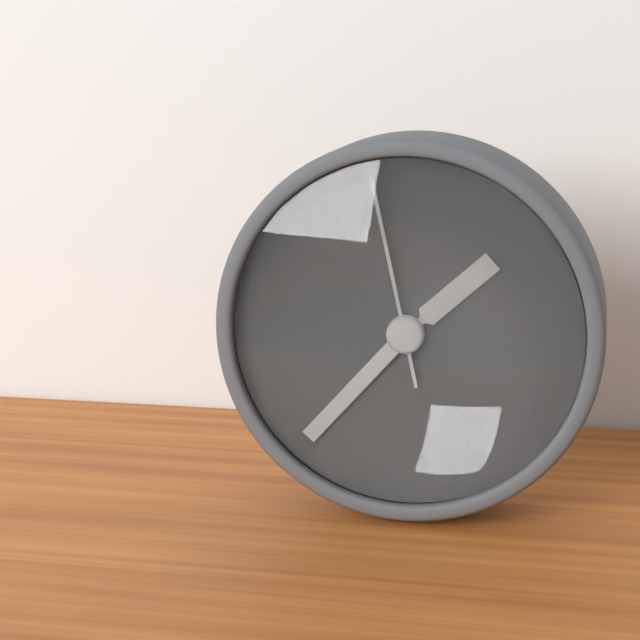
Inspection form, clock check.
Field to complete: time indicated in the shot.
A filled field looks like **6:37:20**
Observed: **1:37:58**
